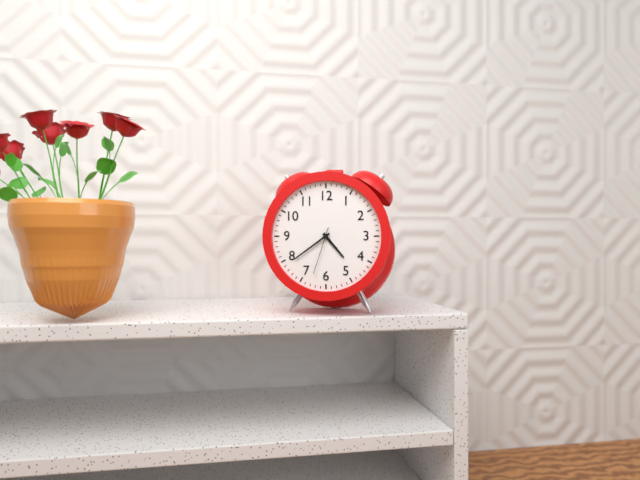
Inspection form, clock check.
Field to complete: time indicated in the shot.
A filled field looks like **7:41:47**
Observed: **4:39:33**
